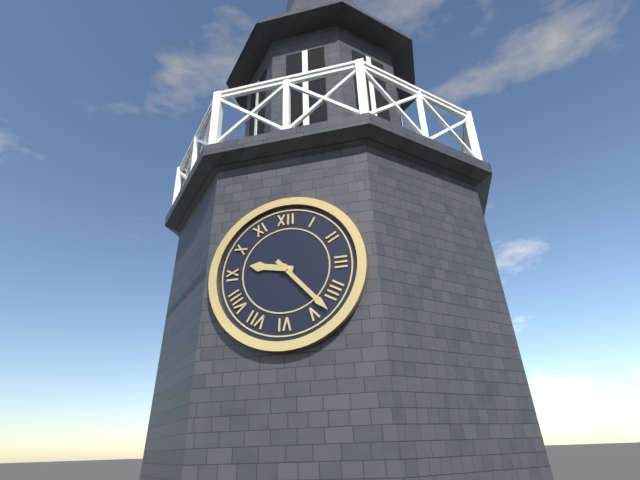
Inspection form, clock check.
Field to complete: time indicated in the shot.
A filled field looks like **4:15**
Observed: **9:23**
